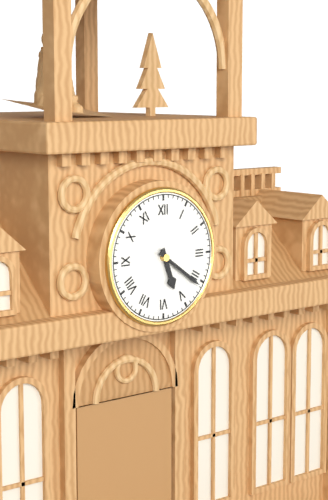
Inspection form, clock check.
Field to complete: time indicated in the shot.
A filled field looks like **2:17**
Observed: **5:21**
